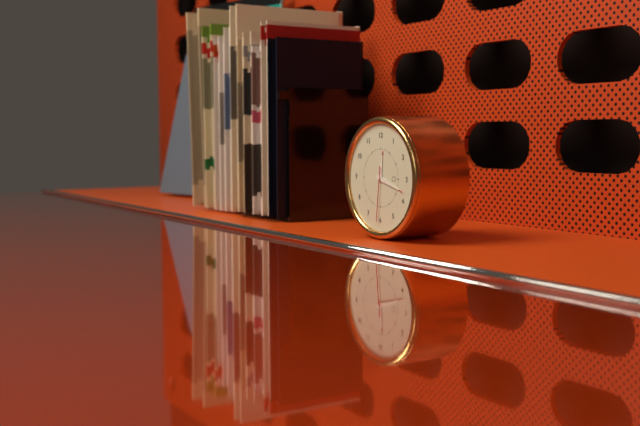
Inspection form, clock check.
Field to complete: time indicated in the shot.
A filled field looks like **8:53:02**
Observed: **12:18:31**
